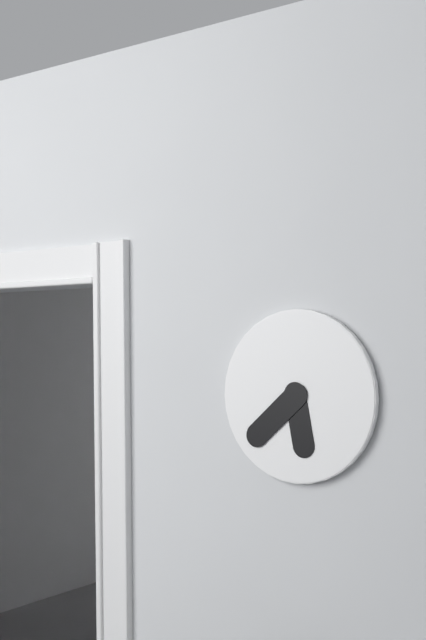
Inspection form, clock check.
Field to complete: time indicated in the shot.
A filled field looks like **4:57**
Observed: **5:38**
